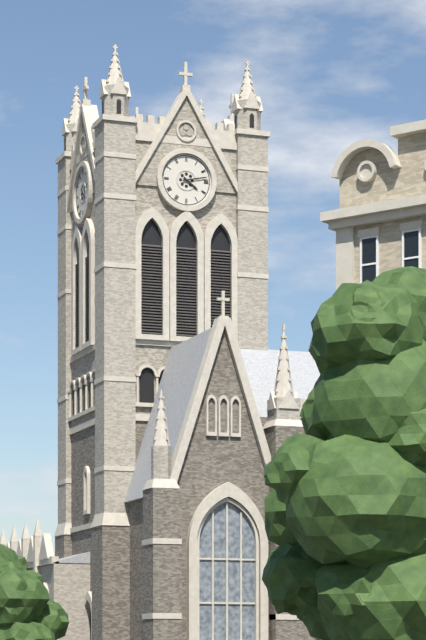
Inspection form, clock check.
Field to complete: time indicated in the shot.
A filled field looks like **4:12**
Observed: **4:13**
